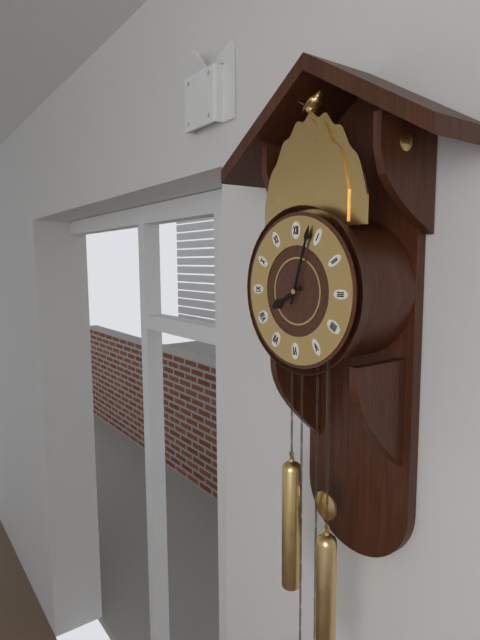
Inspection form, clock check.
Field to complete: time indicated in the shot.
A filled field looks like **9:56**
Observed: **8:03**
